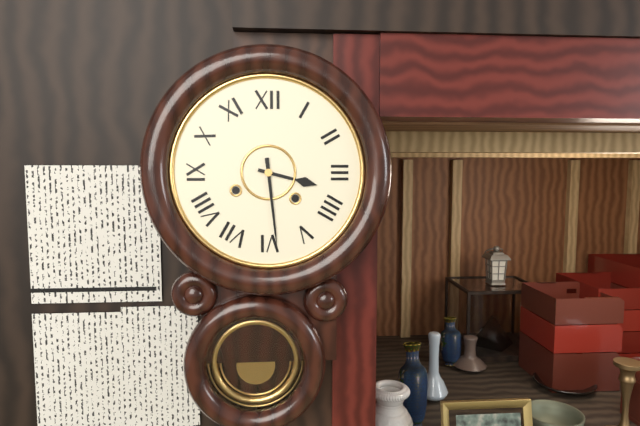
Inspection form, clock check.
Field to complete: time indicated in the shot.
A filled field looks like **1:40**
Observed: **3:29**
